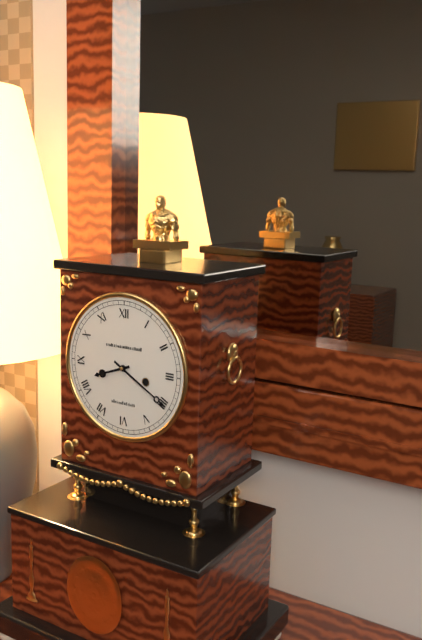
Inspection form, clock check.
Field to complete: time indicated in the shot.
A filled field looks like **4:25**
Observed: **8:20**
